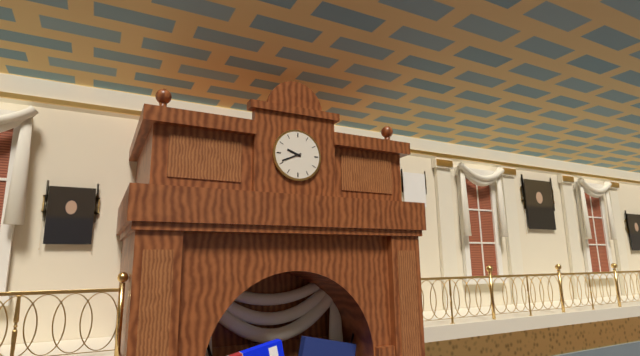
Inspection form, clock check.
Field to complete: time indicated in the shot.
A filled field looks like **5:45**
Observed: **9:41**
